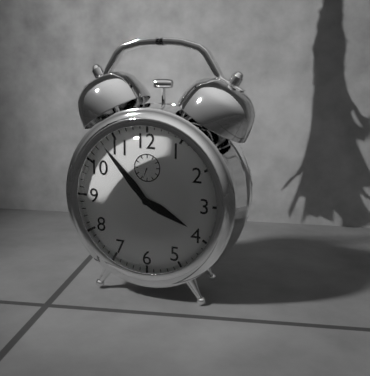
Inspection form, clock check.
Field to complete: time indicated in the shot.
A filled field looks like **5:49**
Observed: **3:53**
